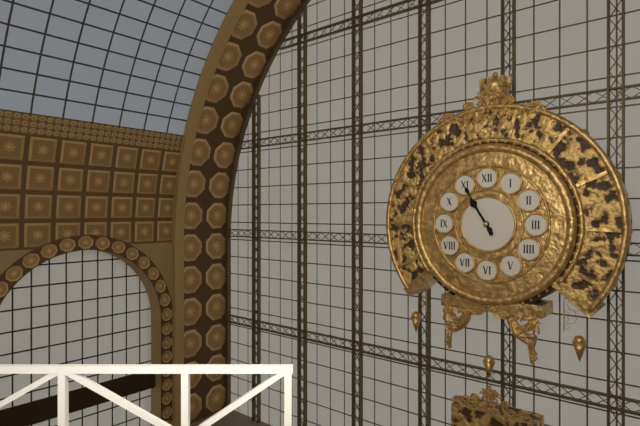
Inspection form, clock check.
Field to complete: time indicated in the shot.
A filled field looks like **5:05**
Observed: **10:55**
